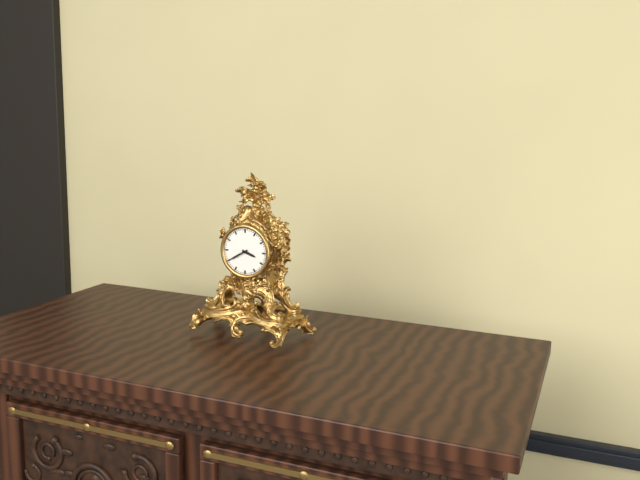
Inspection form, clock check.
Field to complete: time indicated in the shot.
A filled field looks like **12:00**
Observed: **3:40**
